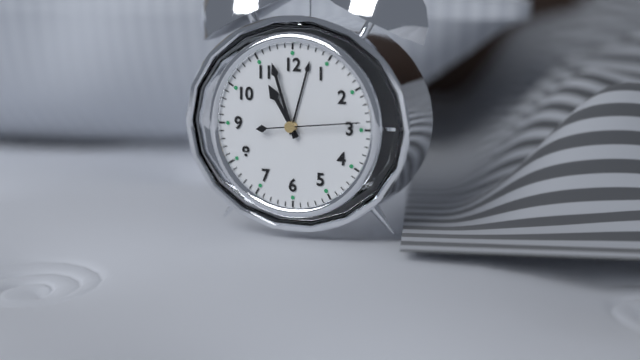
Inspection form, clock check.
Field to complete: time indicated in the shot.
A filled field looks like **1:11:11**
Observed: **10:57:14**
